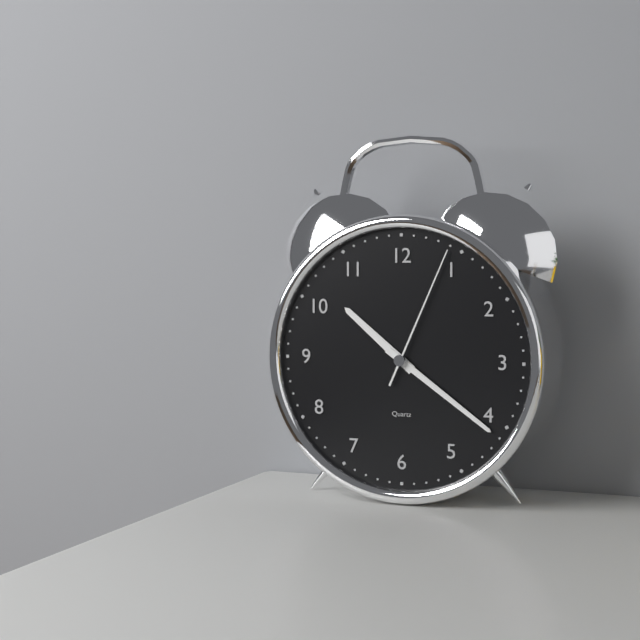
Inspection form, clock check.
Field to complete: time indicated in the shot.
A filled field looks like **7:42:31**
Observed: **10:21:04**
